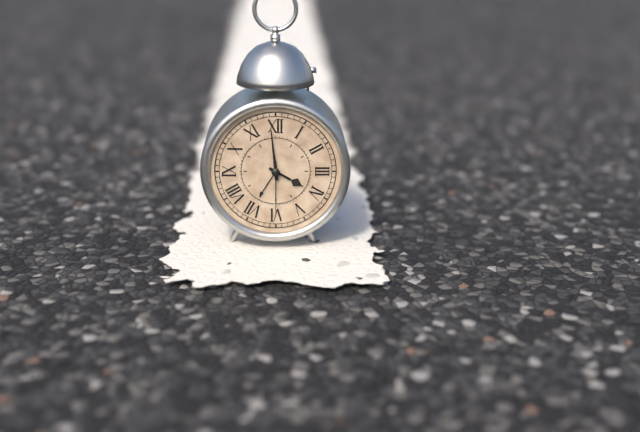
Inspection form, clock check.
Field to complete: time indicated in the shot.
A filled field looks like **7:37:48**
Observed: **3:59:30**
